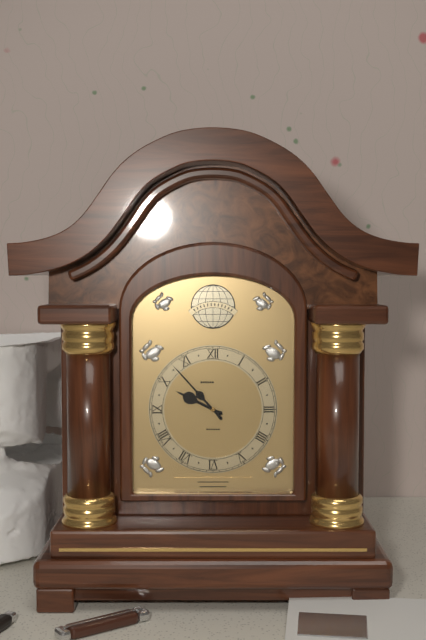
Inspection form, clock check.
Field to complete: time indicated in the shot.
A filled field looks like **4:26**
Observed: **9:53**
